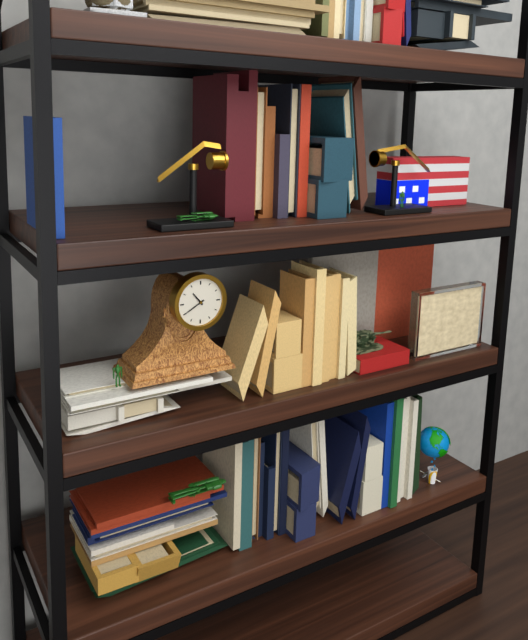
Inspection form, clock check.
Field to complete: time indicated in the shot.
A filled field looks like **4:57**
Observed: **10:40**
